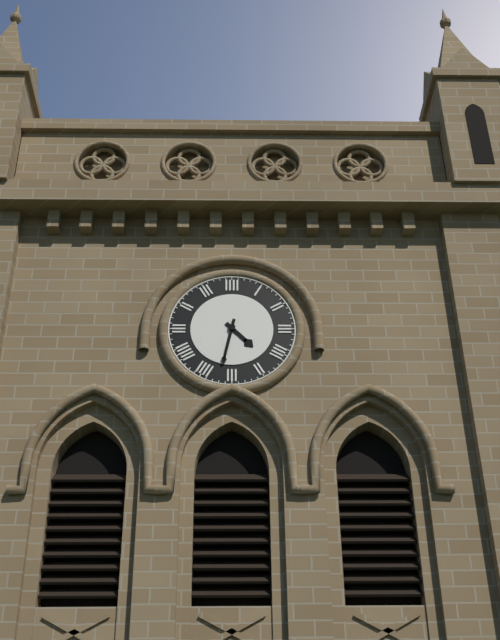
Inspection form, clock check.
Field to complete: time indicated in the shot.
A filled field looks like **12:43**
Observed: **4:32**
